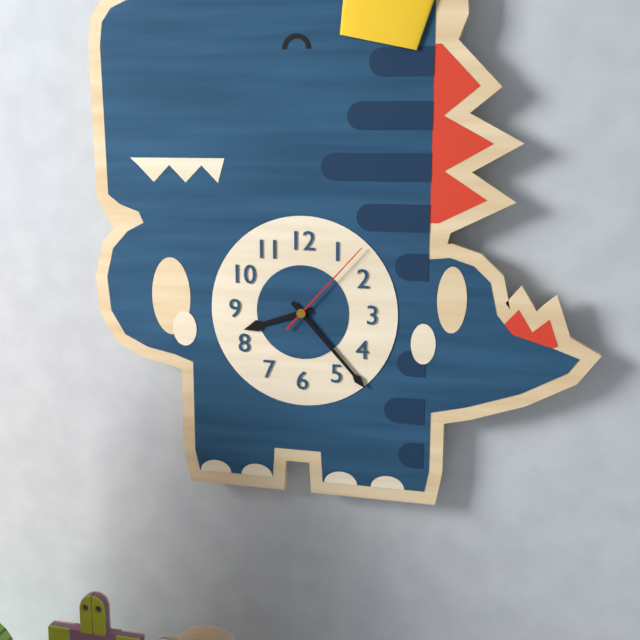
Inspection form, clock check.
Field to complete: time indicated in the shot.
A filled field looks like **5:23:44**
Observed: **8:23:07**
